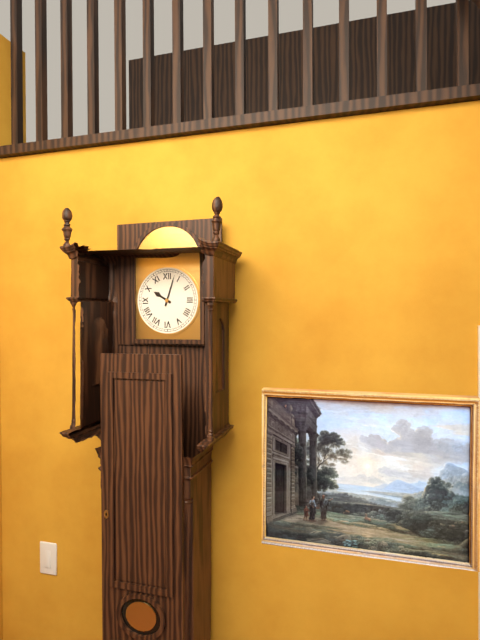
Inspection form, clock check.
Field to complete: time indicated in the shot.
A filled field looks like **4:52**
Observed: **10:03**
